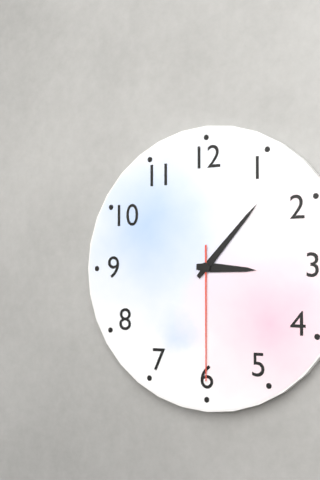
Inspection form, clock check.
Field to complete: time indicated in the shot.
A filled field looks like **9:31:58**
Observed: **3:07:30**
